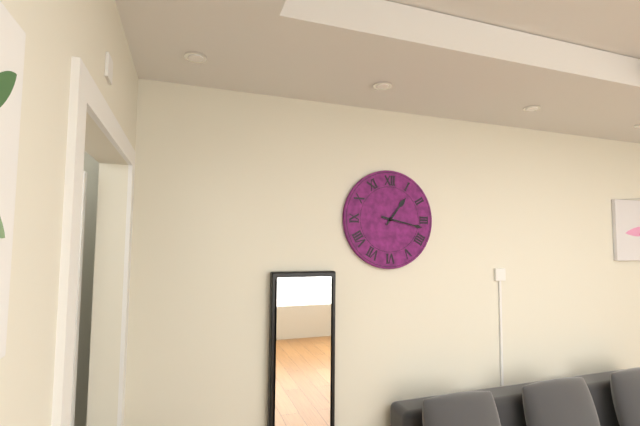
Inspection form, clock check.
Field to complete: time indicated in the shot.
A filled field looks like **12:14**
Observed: **1:17**
